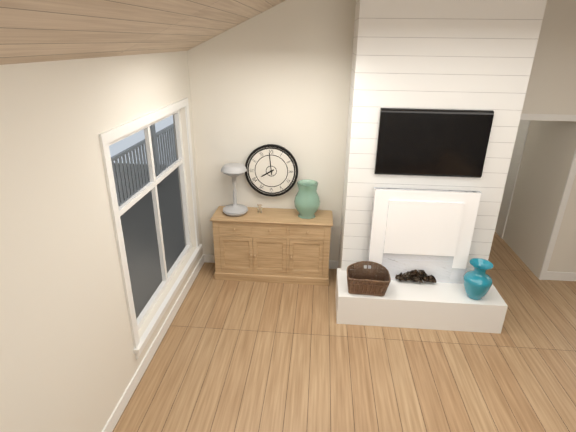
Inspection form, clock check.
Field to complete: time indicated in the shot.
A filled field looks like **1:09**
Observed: **7:59**
